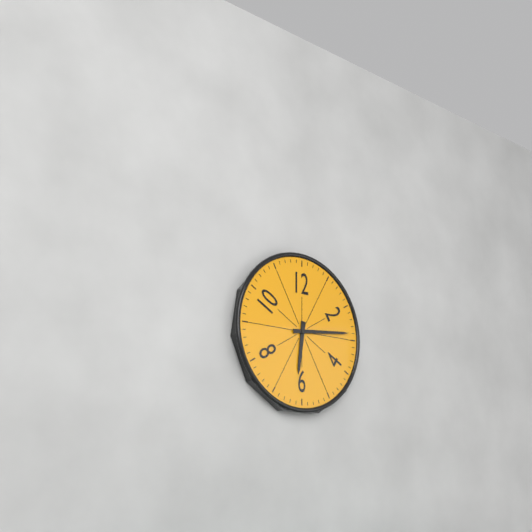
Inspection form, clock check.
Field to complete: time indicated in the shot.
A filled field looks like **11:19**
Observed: **6:14**
